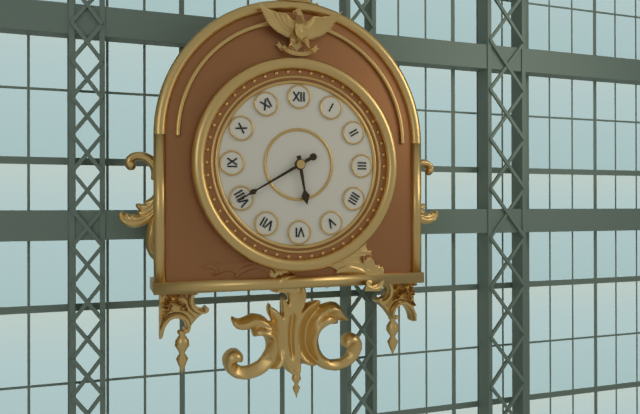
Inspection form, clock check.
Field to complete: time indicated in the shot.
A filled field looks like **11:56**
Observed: **5:40**
